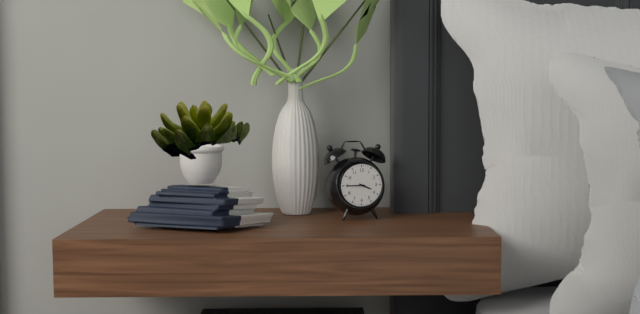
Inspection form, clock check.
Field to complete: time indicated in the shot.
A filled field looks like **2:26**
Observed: **3:45**
